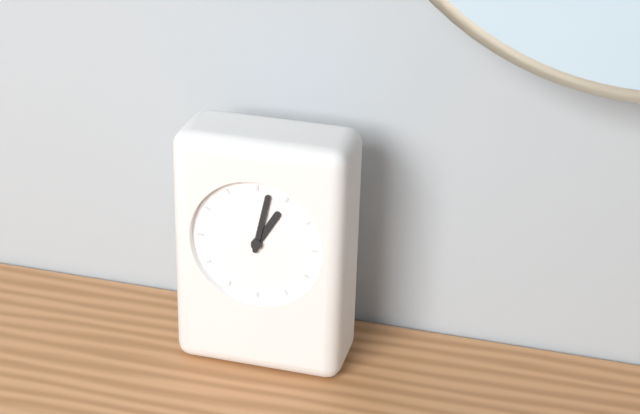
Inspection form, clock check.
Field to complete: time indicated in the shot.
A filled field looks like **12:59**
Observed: **1:02**
